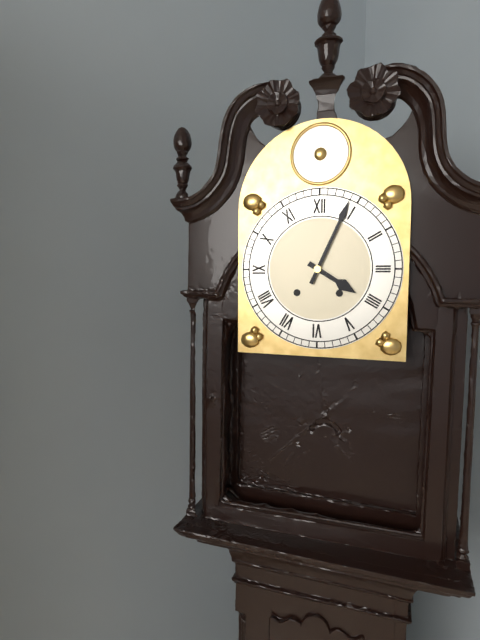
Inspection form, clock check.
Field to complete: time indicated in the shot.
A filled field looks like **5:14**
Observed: **4:04**
